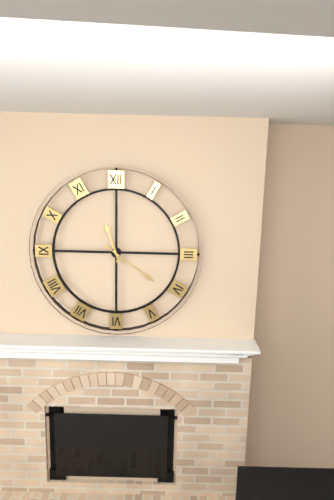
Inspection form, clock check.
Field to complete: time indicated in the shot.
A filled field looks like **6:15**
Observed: **11:21**
